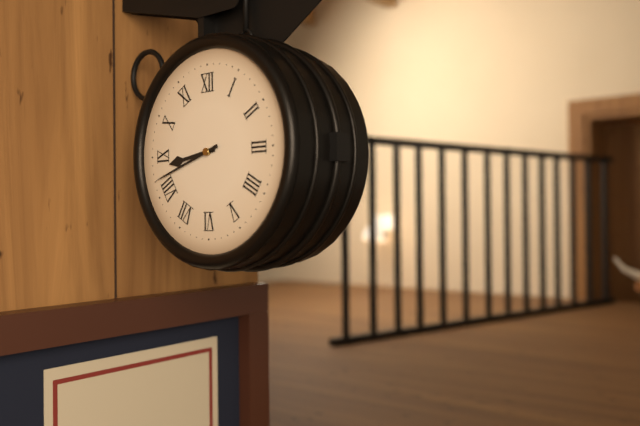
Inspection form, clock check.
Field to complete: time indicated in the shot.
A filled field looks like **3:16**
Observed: **8:42**
